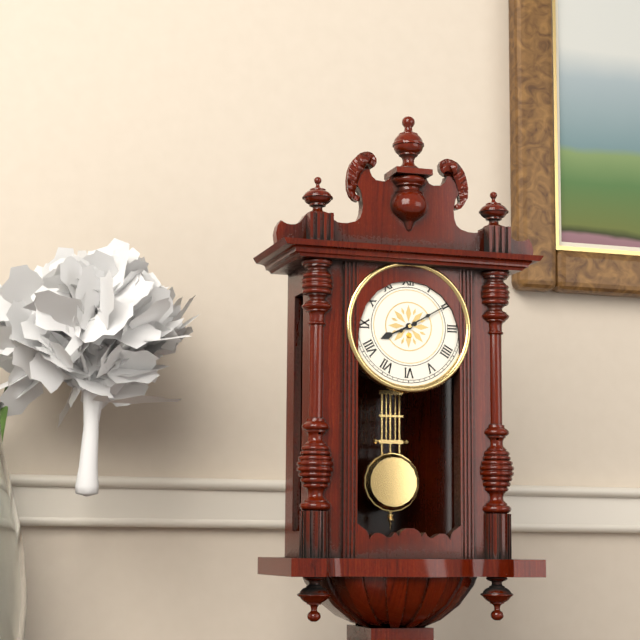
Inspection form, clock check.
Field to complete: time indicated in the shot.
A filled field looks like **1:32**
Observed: **8:10**
